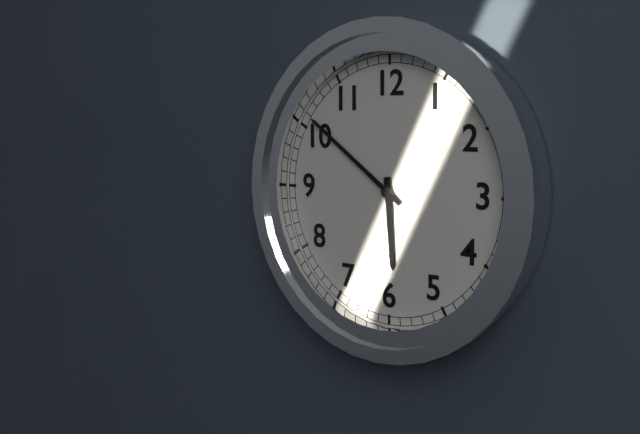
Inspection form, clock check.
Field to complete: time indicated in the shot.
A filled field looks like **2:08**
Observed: **5:51**
